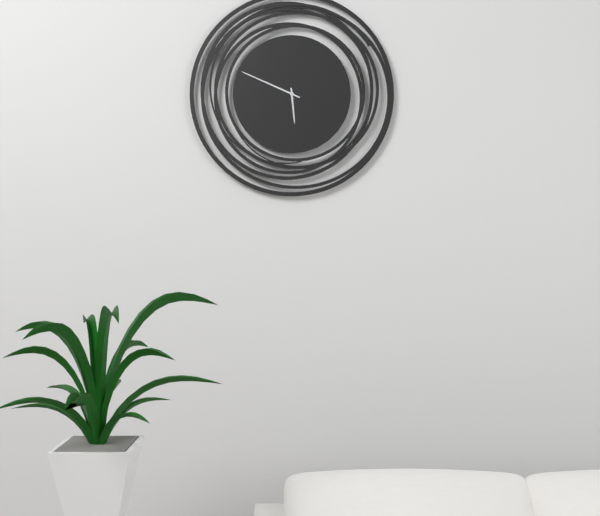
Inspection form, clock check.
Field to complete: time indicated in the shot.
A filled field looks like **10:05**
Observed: **5:49**
